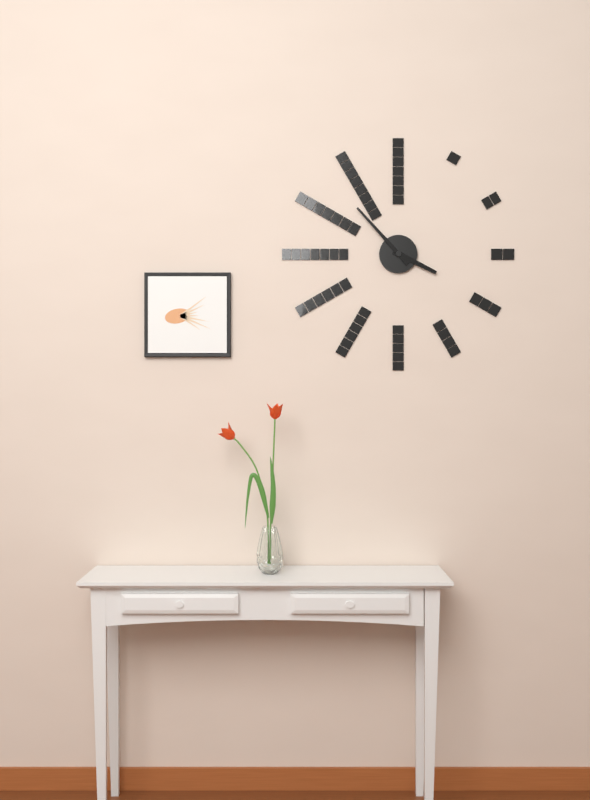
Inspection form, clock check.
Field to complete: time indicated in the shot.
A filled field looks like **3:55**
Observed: **3:53**
